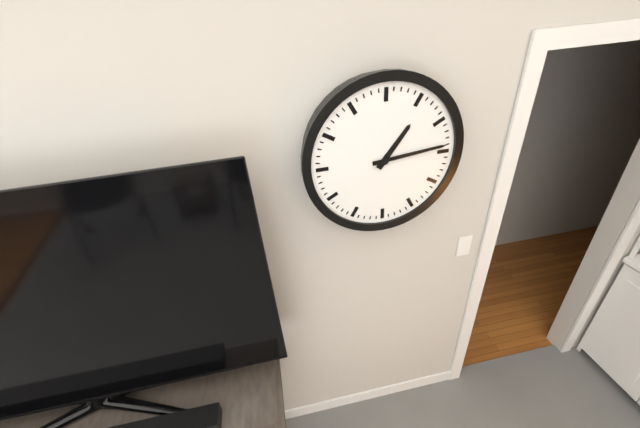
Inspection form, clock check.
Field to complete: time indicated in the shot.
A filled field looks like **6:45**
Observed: **1:14**
